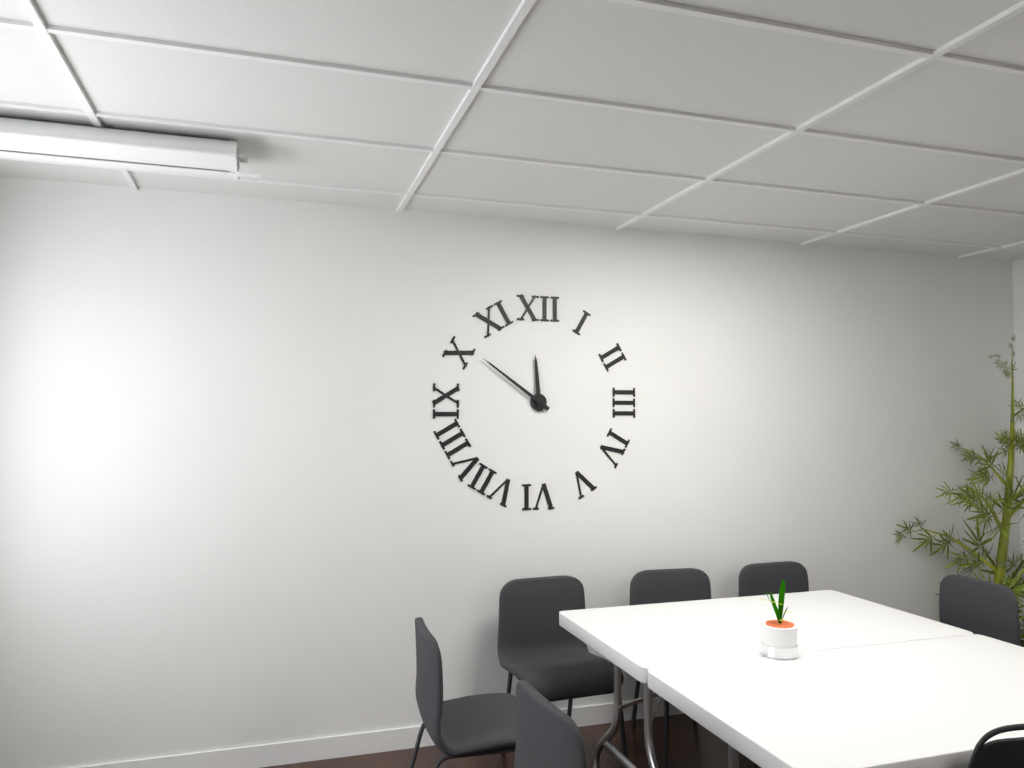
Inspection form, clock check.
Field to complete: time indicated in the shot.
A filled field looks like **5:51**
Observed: **11:51**
